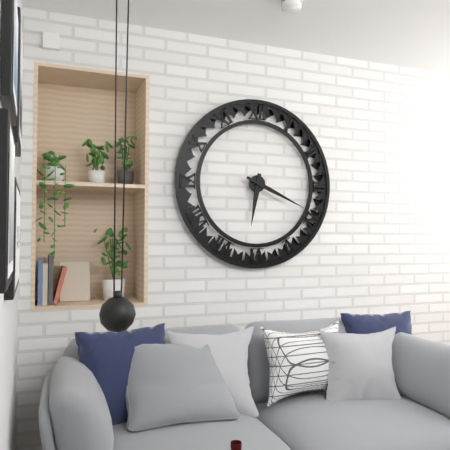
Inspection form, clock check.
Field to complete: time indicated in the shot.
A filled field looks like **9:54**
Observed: **6:19**
